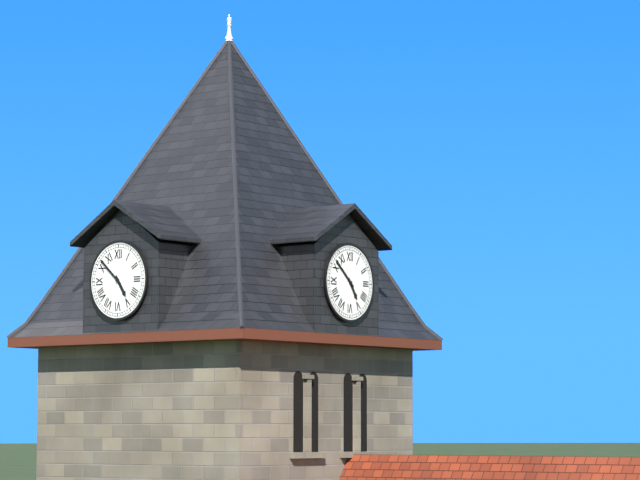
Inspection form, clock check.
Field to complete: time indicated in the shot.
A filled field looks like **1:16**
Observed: **4:52**
